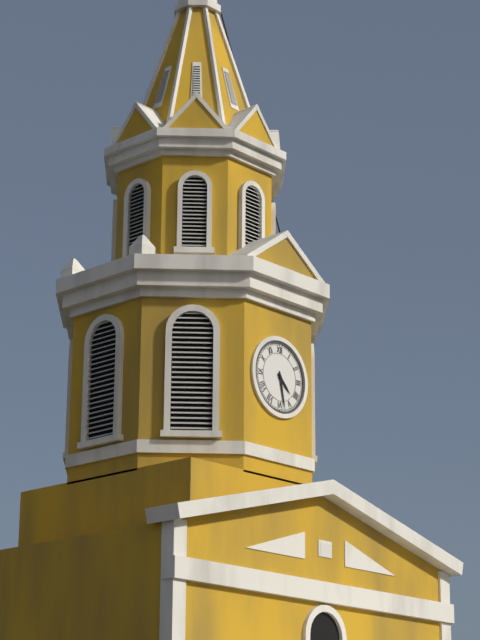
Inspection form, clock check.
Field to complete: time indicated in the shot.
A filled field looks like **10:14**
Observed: **4:28**
